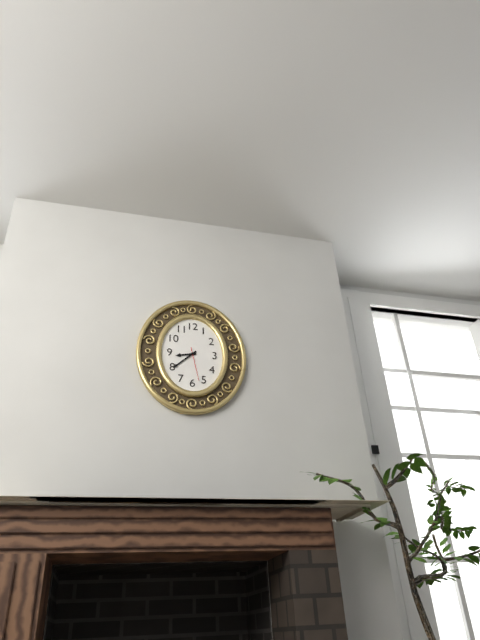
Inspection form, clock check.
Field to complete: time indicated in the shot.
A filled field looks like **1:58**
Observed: **8:38**
